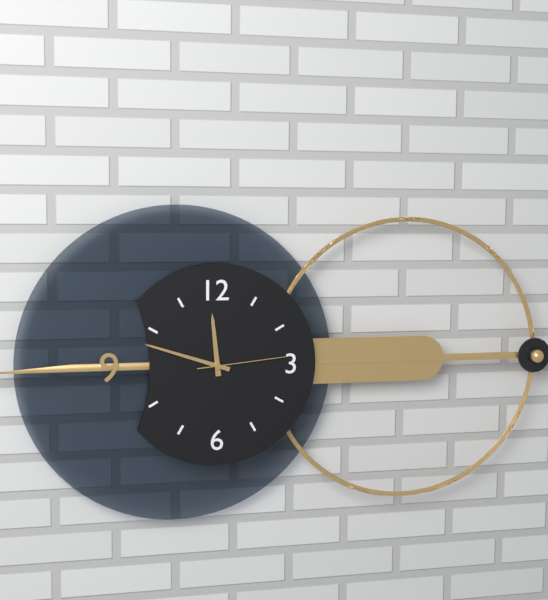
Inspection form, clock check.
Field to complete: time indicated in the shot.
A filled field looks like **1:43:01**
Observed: **11:48:14**
